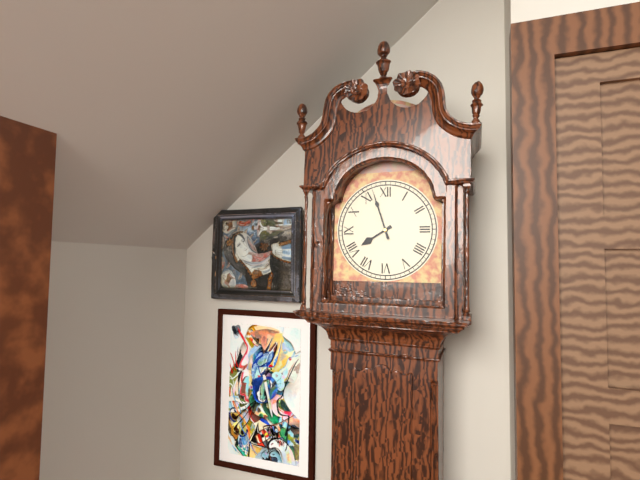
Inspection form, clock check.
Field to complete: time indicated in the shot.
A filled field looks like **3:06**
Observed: **7:57**
